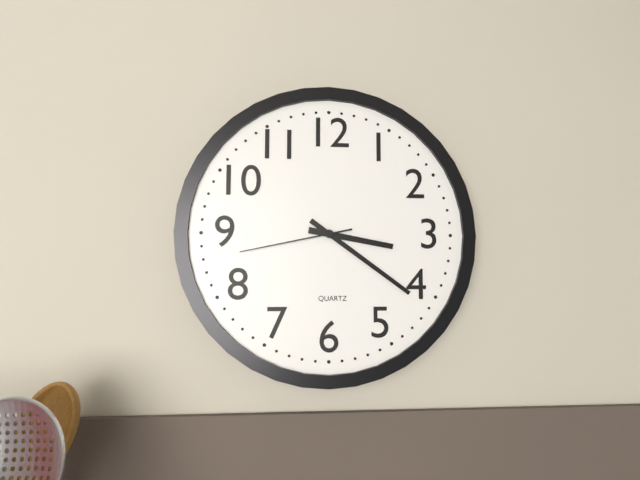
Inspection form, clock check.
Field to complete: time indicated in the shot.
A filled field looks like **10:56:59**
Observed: **3:21:43**
